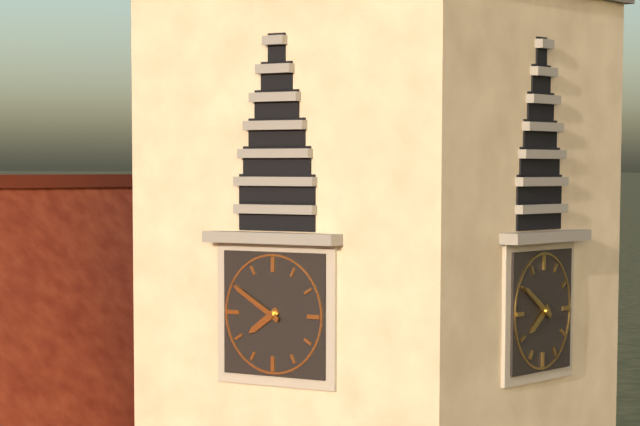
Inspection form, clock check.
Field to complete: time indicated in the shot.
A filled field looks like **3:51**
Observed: **7:50**
